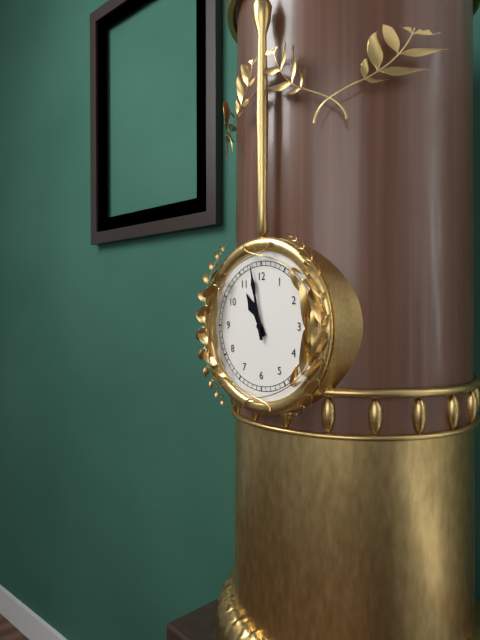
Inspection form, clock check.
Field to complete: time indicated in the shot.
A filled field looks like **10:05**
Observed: **10:58**
